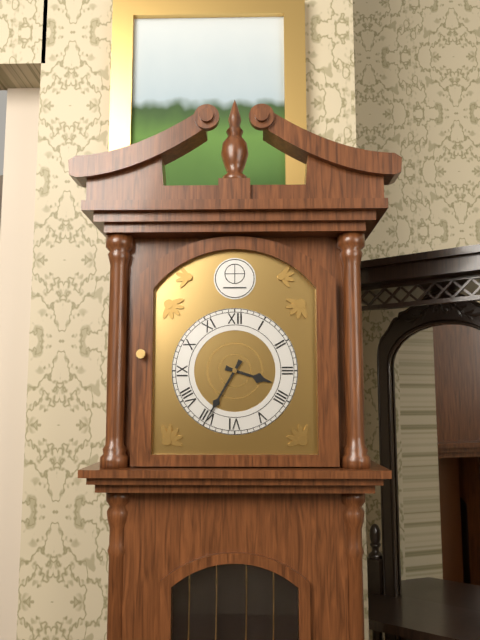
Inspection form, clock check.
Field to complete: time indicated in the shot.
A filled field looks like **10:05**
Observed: **3:35**
